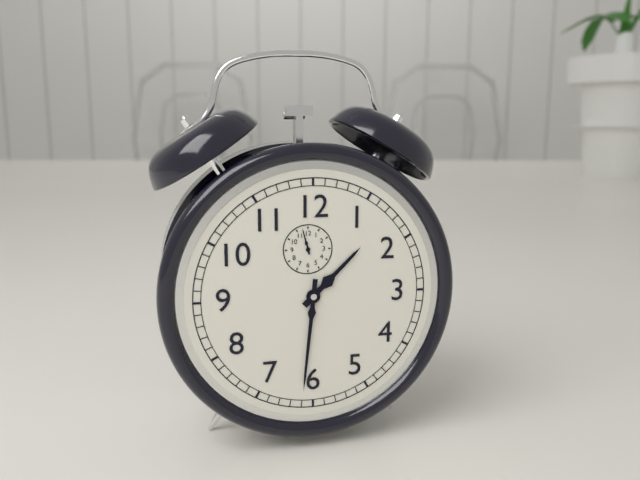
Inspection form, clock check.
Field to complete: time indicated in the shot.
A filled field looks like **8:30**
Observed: **1:31**
